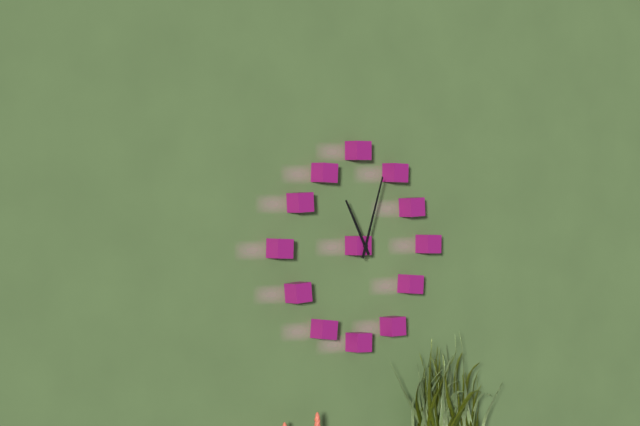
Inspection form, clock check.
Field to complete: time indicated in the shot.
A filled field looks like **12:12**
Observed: **11:03**
